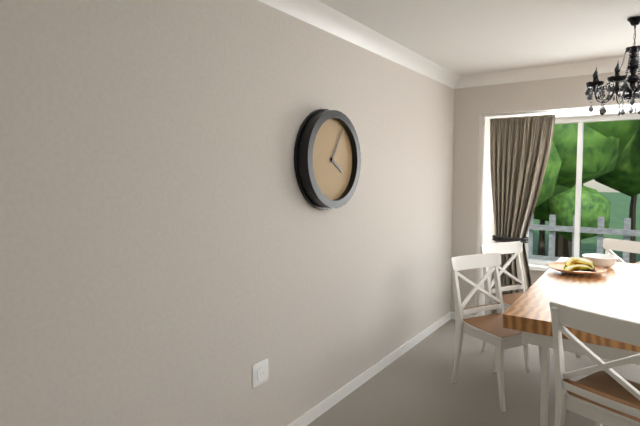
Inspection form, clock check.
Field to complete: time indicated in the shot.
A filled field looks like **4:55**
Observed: **4:05**
